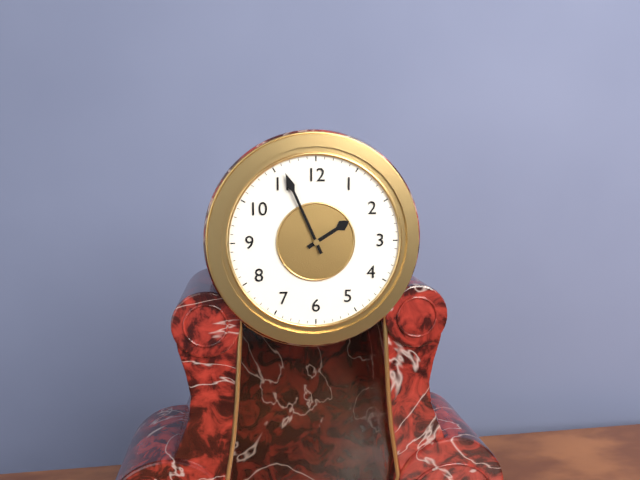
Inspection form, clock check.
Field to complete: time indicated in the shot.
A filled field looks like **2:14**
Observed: **1:56**
